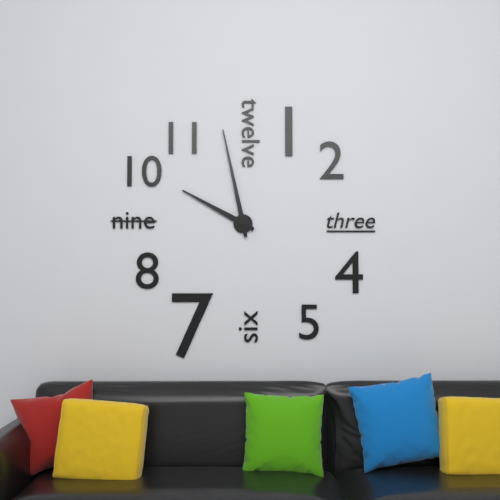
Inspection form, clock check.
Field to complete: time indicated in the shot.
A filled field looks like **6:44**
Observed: **9:58**
